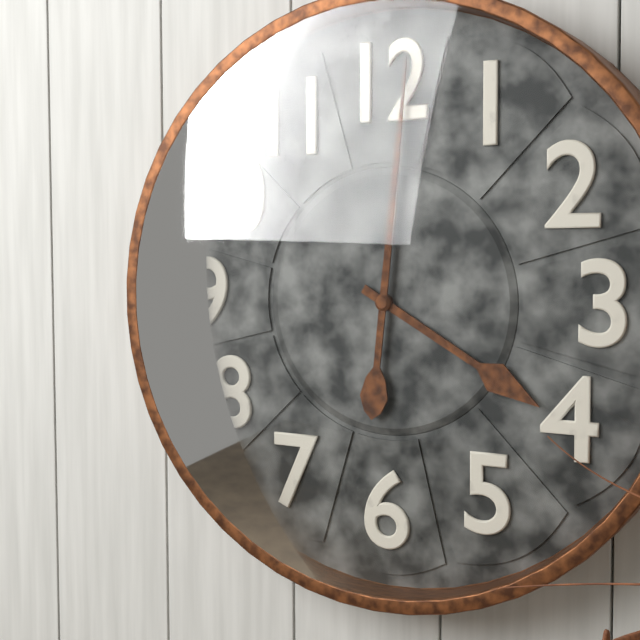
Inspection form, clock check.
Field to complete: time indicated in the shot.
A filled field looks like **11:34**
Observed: **4:01**
